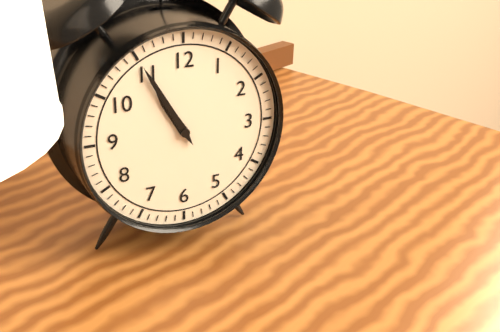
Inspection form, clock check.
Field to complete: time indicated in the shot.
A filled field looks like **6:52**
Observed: **10:55**
